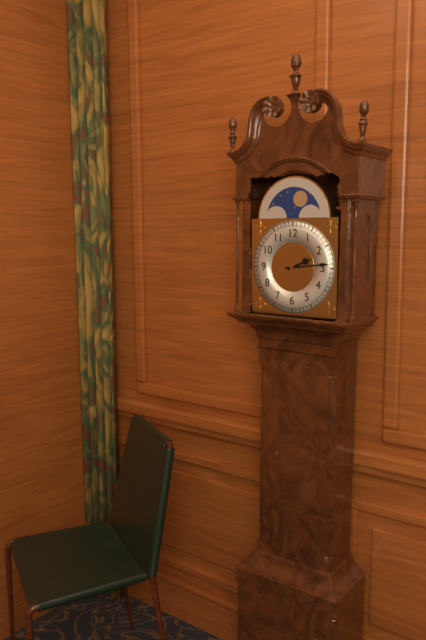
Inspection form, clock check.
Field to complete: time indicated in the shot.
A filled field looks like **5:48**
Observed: **2:14**
